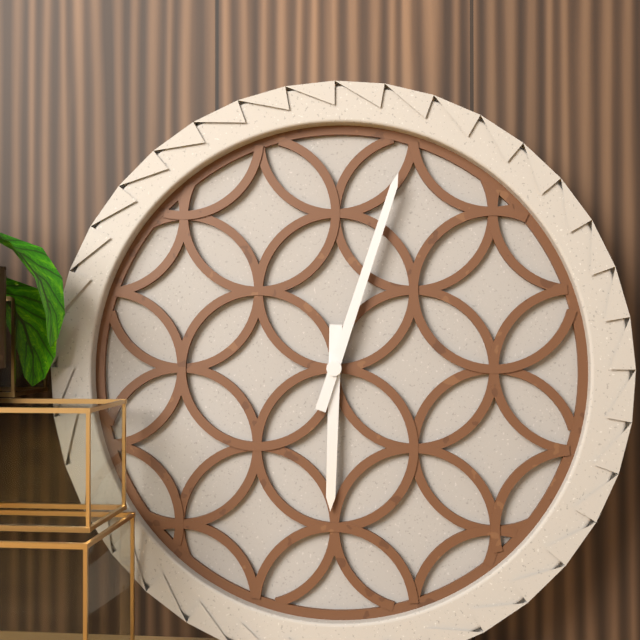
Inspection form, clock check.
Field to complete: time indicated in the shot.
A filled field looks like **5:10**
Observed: **6:03**
